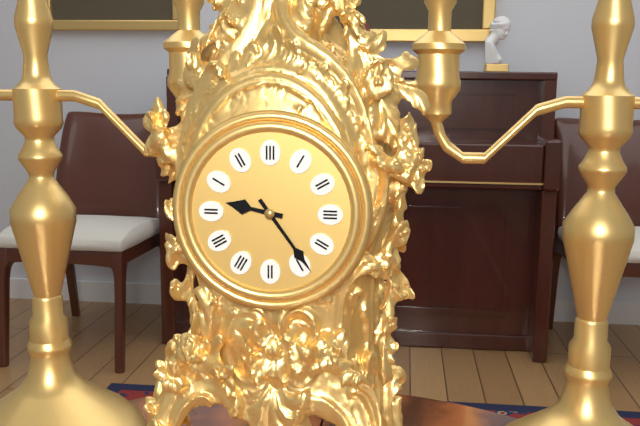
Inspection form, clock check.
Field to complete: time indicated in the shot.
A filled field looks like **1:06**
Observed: **9:24**
